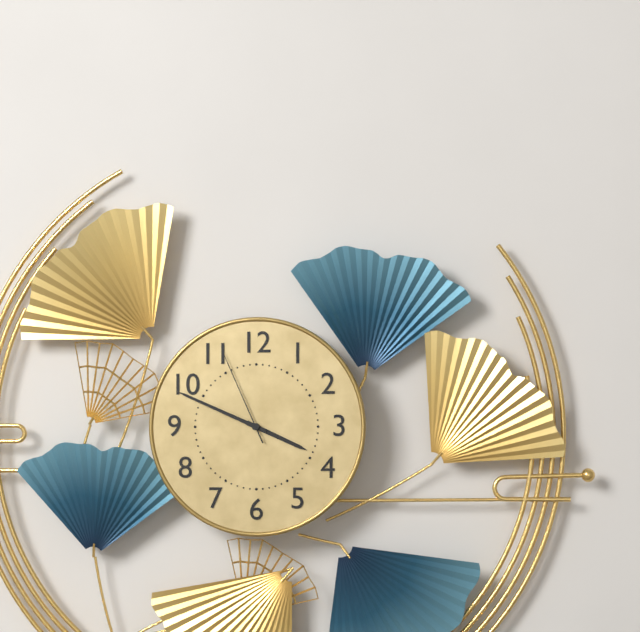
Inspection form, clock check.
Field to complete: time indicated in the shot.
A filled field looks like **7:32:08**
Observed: **3:49:56**
